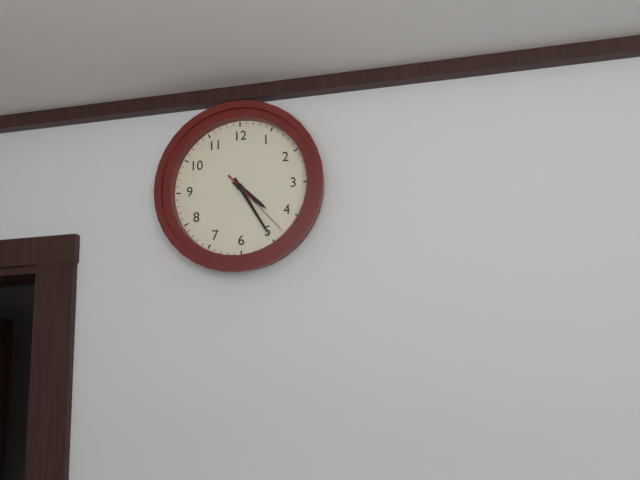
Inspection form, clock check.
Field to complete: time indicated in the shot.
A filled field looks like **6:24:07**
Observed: **4:25:23**
